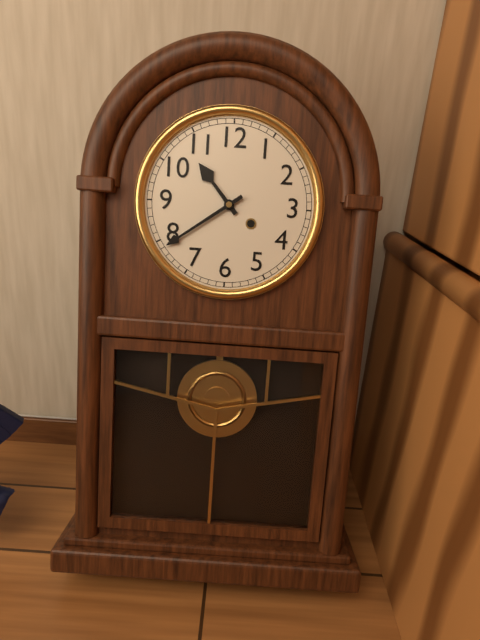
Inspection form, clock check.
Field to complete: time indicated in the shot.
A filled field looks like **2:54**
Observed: **10:39**
